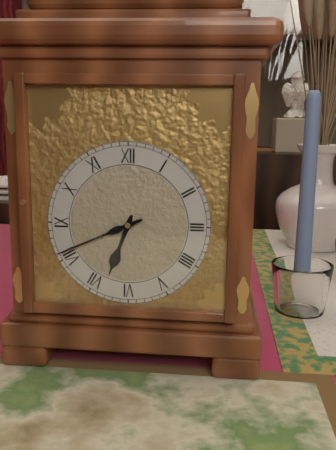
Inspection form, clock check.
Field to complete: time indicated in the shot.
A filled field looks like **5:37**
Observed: **6:41**
